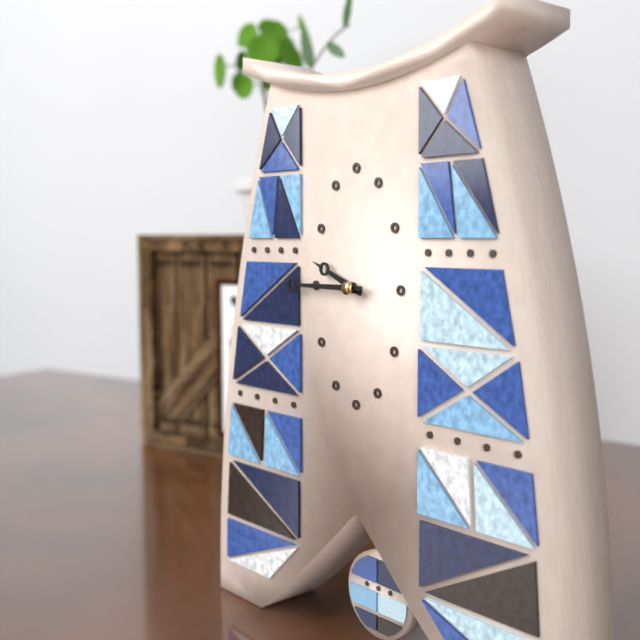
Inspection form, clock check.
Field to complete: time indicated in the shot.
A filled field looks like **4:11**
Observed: **9:45**
